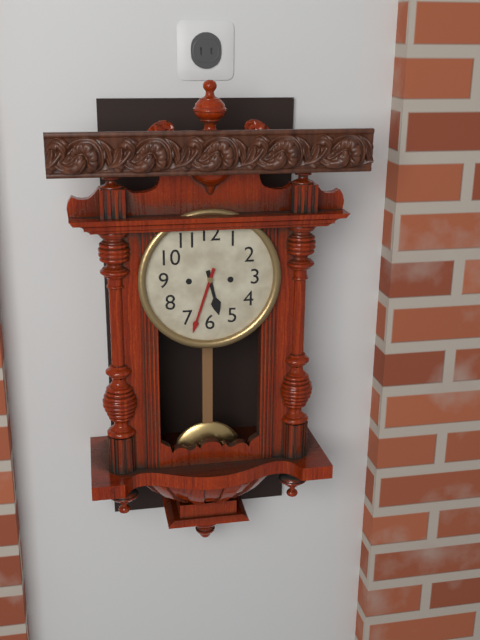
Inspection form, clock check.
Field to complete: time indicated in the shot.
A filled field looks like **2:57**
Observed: **5:33**
